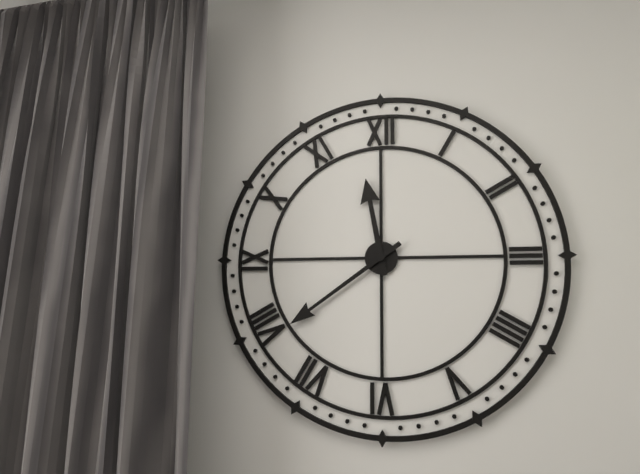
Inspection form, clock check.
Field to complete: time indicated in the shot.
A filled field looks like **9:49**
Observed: **11:39**
